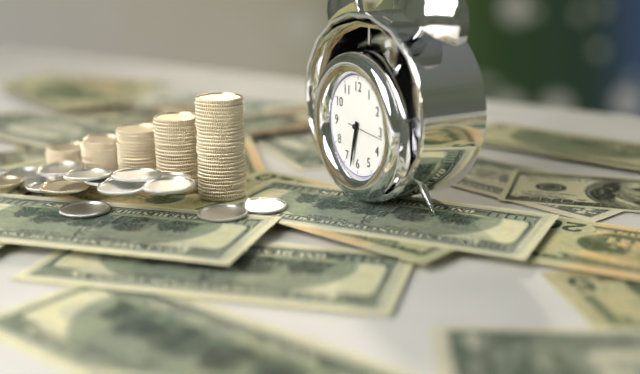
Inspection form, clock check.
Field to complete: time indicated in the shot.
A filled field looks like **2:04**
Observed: **6:32**
